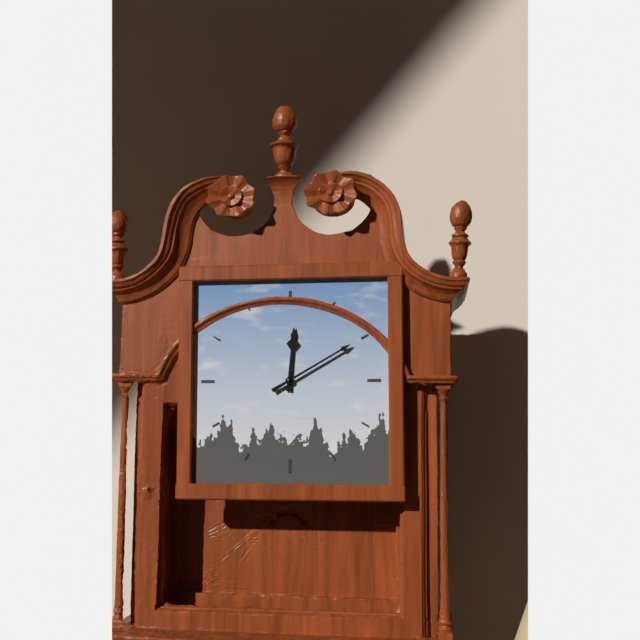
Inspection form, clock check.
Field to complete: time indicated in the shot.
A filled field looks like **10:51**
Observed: **12:10**
